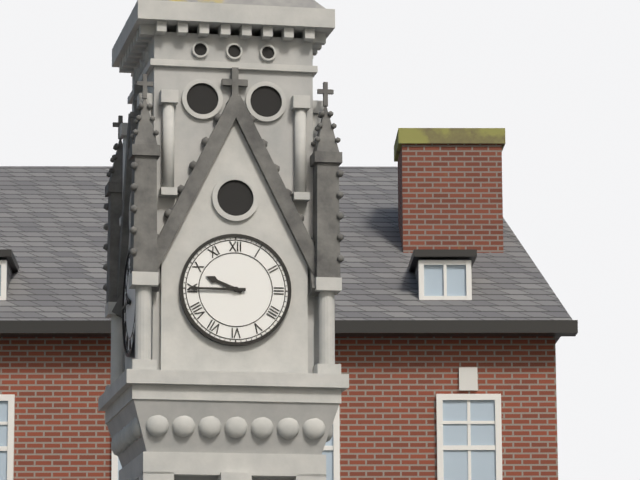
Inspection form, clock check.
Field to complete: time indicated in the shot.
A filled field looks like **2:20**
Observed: **9:45**
